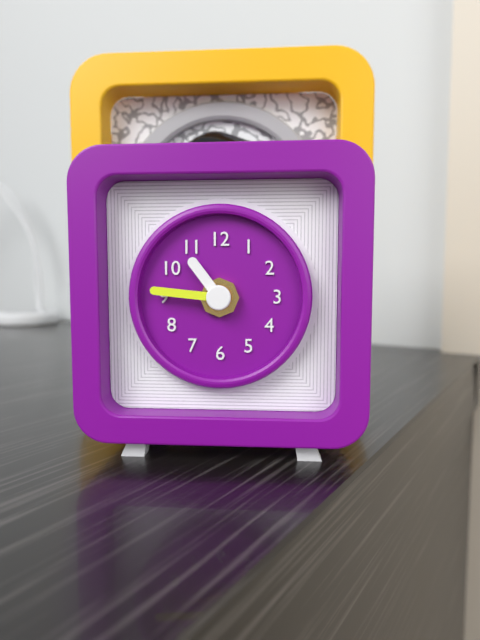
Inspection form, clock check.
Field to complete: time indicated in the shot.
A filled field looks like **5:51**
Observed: **10:46**
